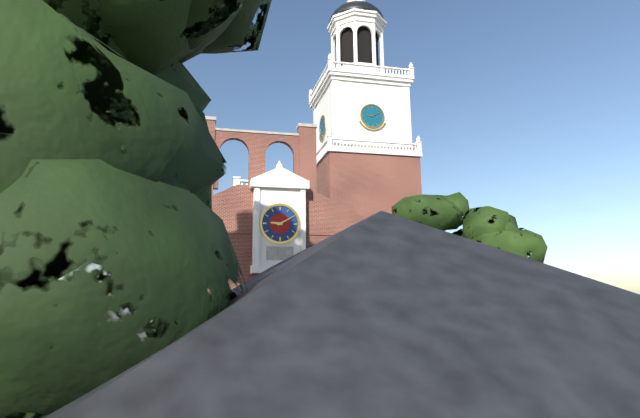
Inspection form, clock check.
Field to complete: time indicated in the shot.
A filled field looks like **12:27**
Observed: **9:10**
